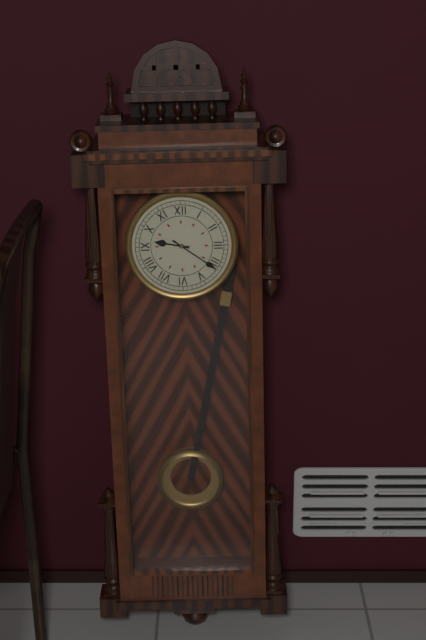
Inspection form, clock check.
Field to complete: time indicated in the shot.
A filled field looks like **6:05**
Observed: **9:21**
